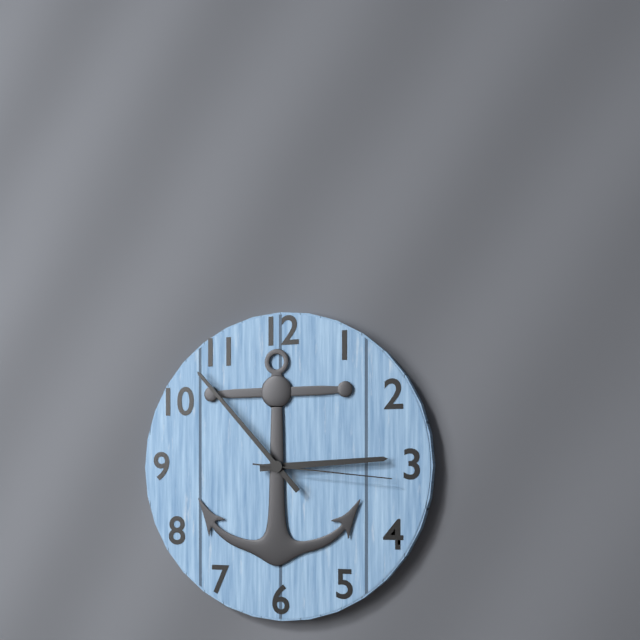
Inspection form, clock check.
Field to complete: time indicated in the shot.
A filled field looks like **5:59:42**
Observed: **2:53:16**
